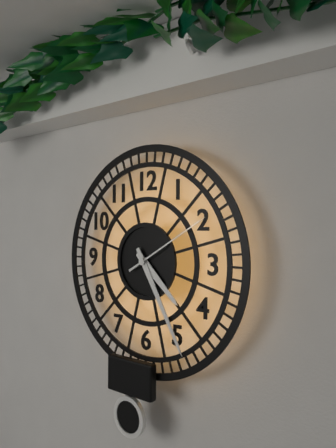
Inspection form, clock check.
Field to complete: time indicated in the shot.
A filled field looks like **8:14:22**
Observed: **4:25:10**
